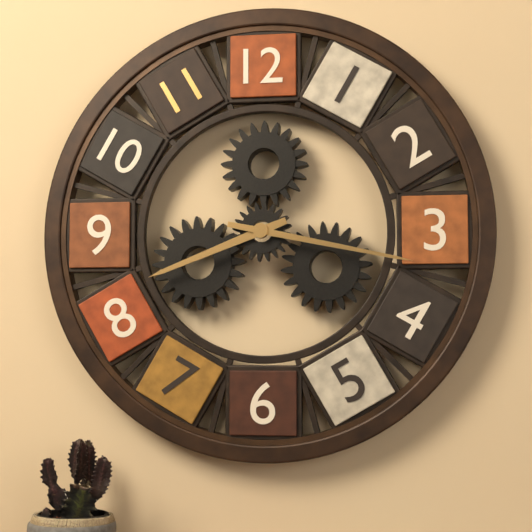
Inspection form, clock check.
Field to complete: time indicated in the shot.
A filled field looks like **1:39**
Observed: **8:17**
